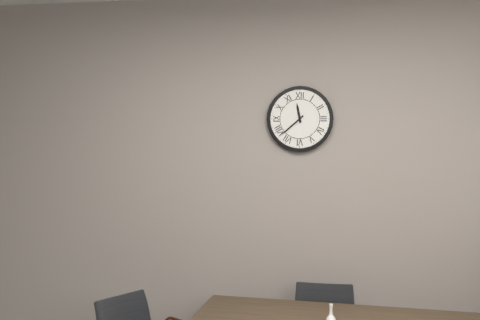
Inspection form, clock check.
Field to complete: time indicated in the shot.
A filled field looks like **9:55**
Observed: **11:38**
